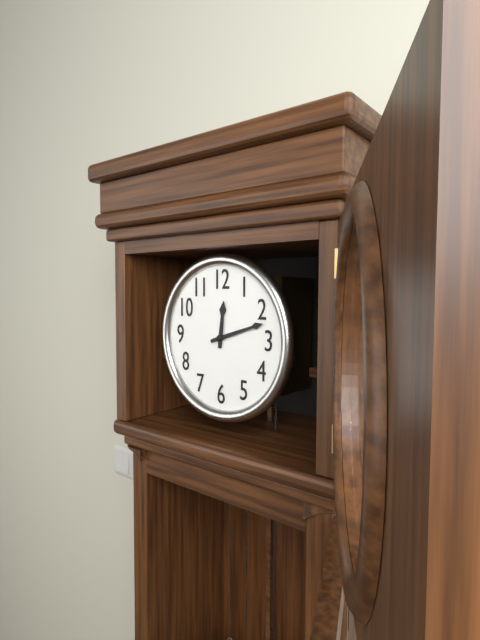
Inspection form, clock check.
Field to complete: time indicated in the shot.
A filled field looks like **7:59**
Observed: **12:12**
